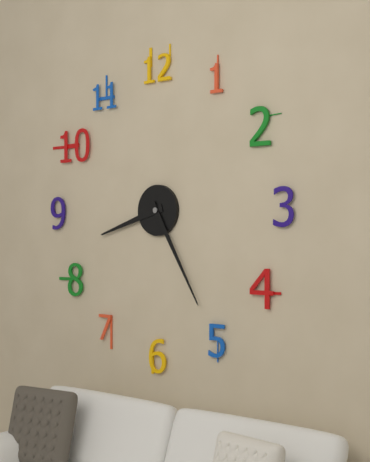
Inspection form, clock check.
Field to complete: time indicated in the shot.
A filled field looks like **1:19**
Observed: **8:25**
